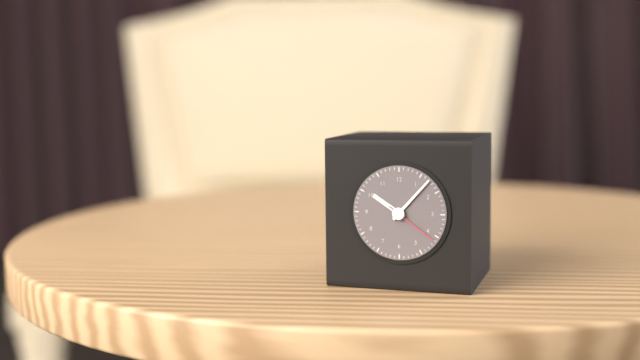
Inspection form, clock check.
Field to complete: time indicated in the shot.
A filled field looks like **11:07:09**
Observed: **10:07:21**
